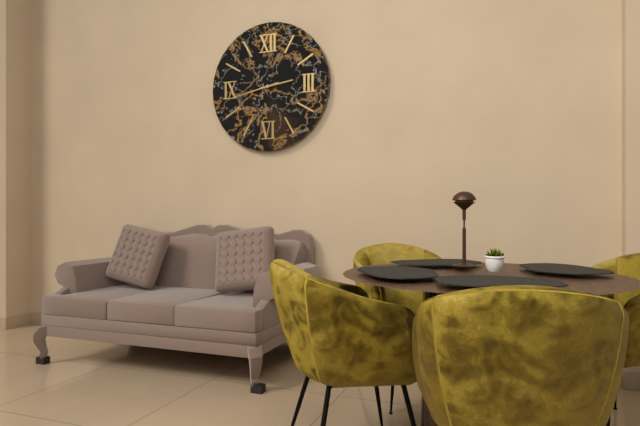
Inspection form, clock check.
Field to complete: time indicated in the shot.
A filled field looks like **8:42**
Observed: **2:43**
